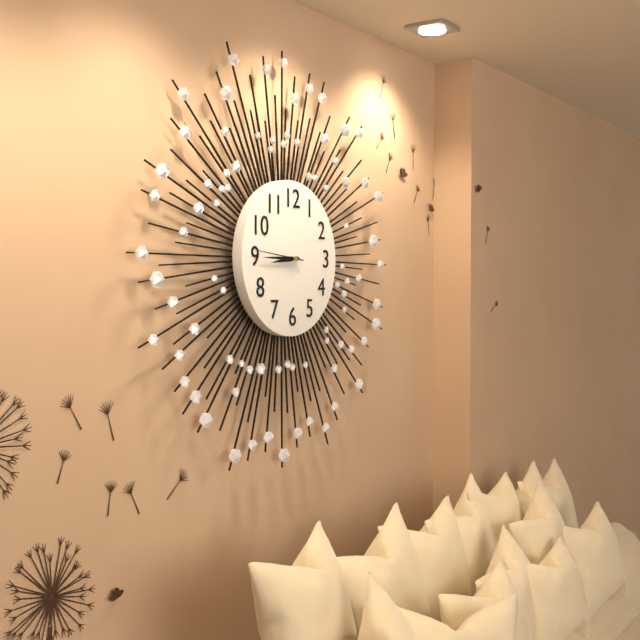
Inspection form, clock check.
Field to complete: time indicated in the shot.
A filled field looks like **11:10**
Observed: **8:45**
